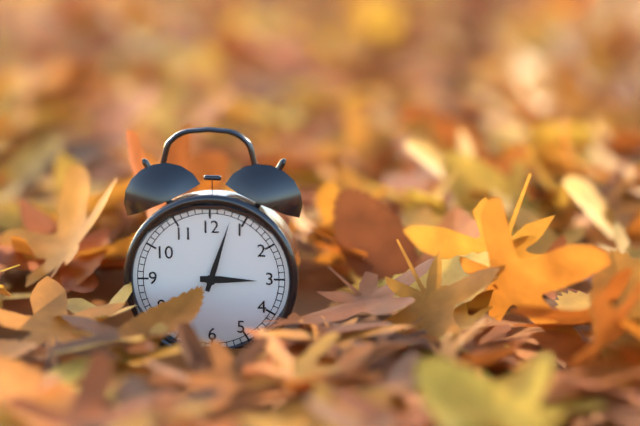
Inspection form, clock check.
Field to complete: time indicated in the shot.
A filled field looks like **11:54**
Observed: **3:03**
